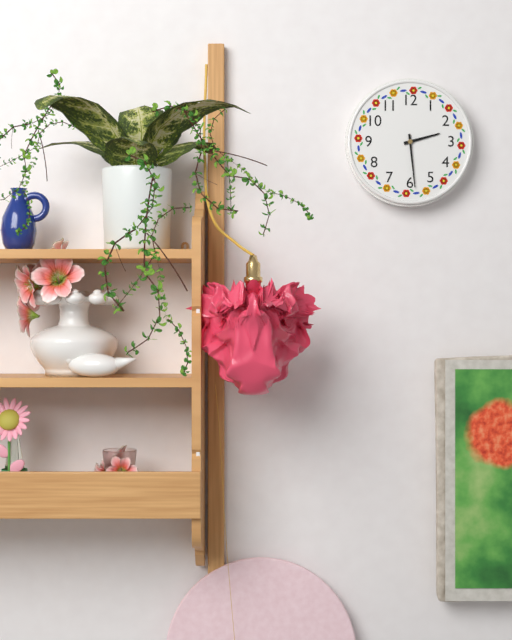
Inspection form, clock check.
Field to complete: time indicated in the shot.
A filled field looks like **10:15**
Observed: **2:29**
